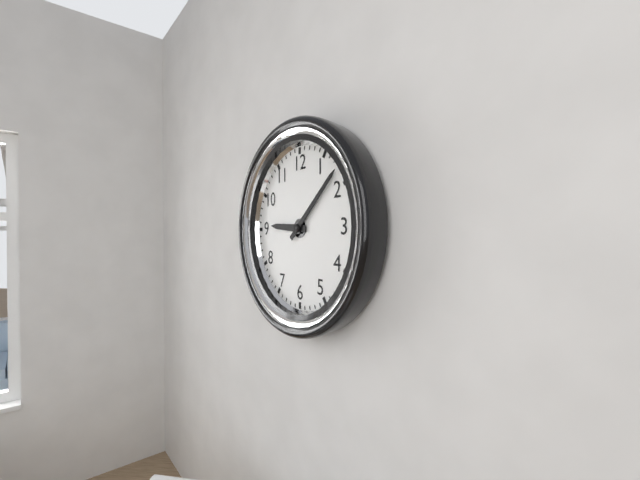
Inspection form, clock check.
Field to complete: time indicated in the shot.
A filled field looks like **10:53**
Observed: **9:08**
